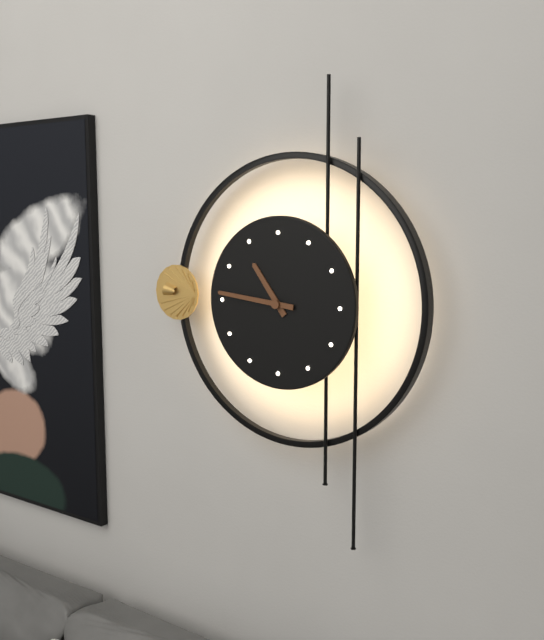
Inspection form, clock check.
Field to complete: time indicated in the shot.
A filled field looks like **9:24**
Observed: **10:46**
